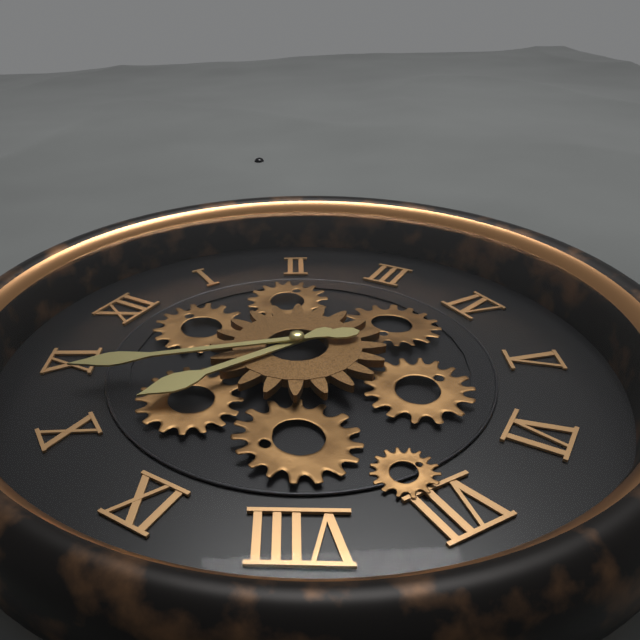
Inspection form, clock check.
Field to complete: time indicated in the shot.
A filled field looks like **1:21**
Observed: **9:53**
